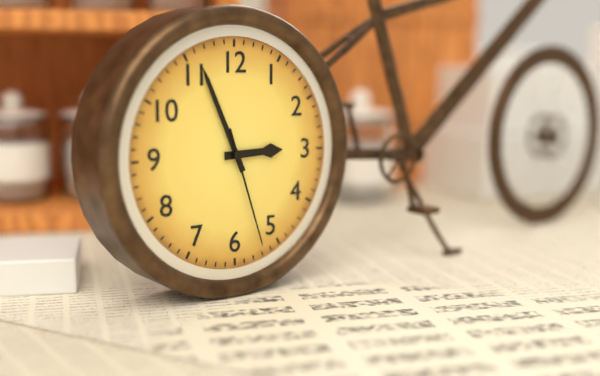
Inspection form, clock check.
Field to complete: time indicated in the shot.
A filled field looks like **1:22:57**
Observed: **2:56:27**
